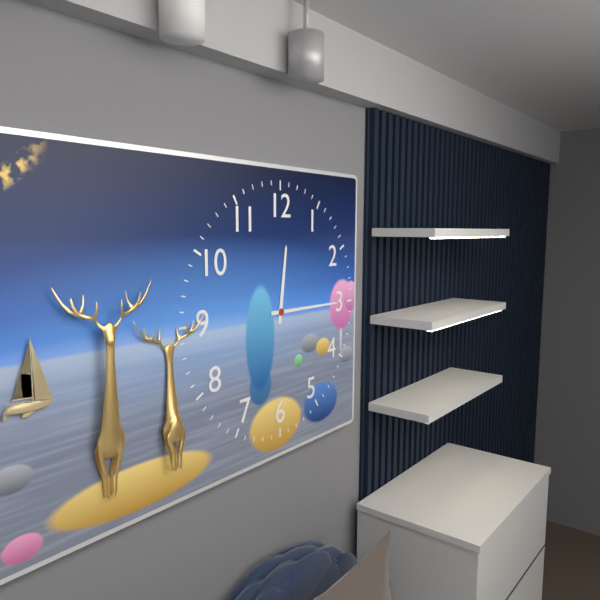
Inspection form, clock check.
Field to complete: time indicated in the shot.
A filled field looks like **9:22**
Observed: **12:15**
